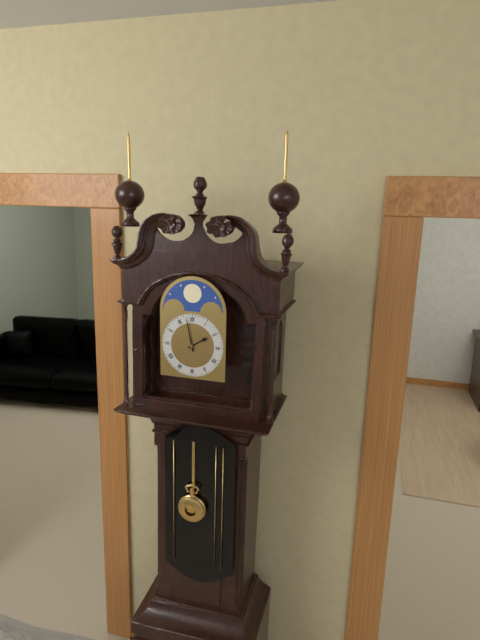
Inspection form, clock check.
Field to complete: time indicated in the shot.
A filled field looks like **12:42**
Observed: **1:58**
